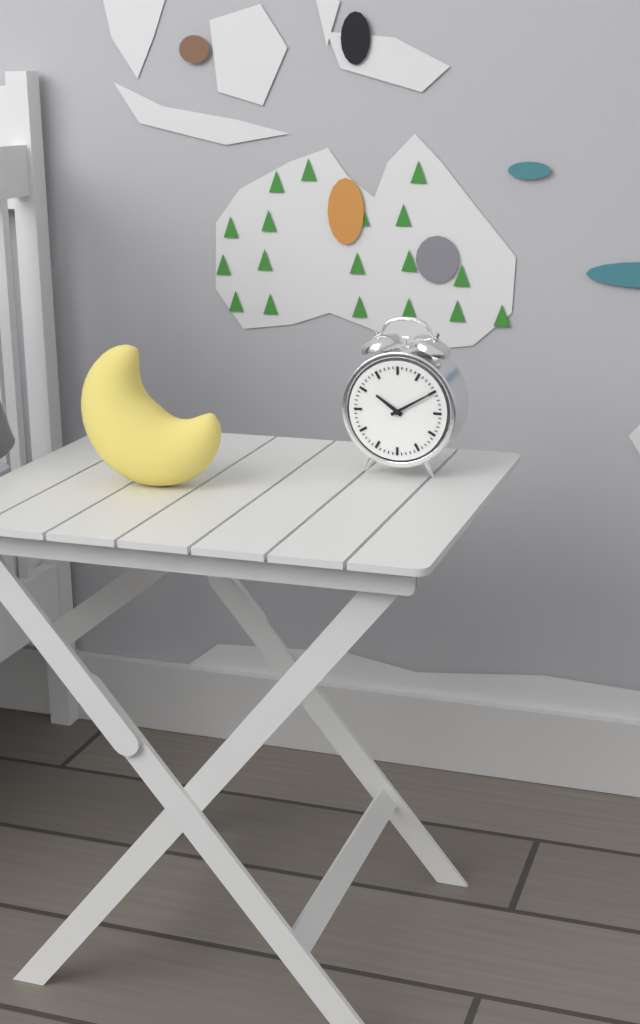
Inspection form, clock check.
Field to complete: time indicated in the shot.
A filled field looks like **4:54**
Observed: **10:10**
